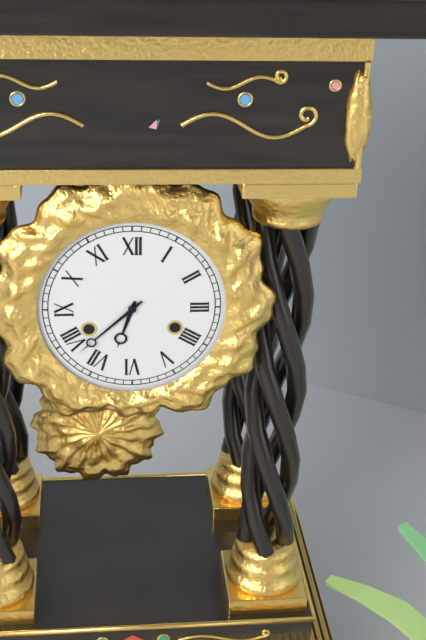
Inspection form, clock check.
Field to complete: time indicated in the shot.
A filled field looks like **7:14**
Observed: **6:38**
